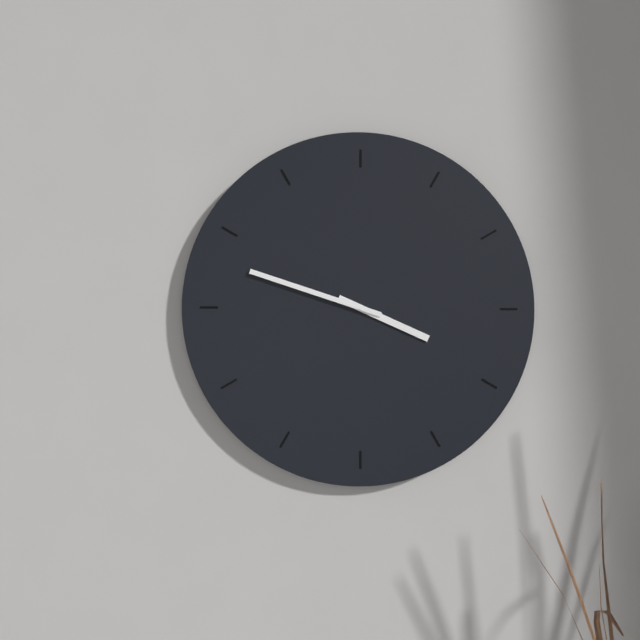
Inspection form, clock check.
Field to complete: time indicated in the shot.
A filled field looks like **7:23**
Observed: **3:48**
